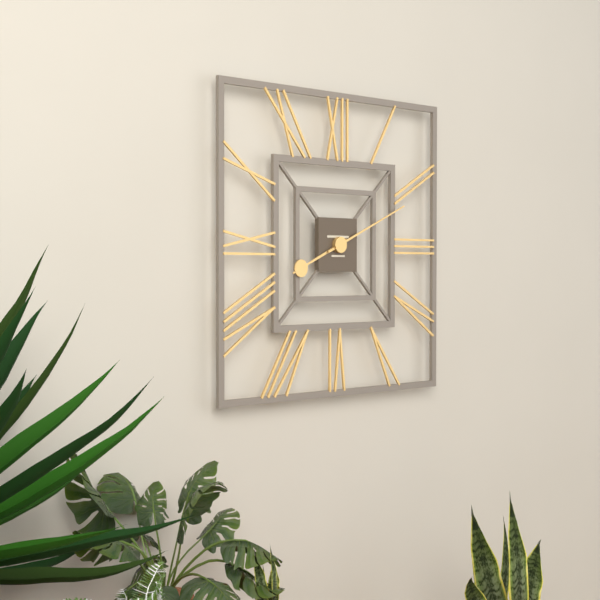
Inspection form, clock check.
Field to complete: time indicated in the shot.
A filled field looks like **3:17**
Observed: **8:11**
